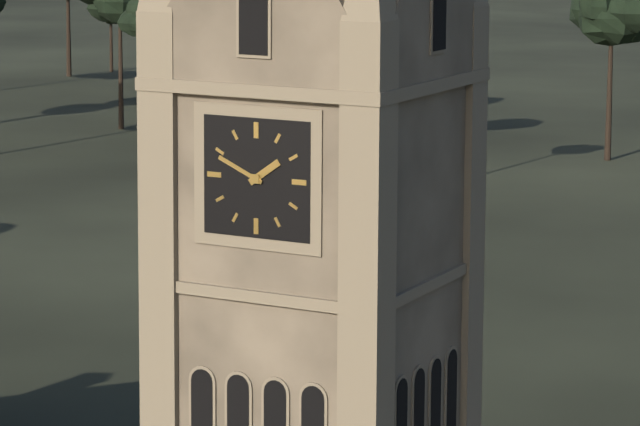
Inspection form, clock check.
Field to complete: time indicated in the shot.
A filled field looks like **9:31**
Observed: **1:49**
